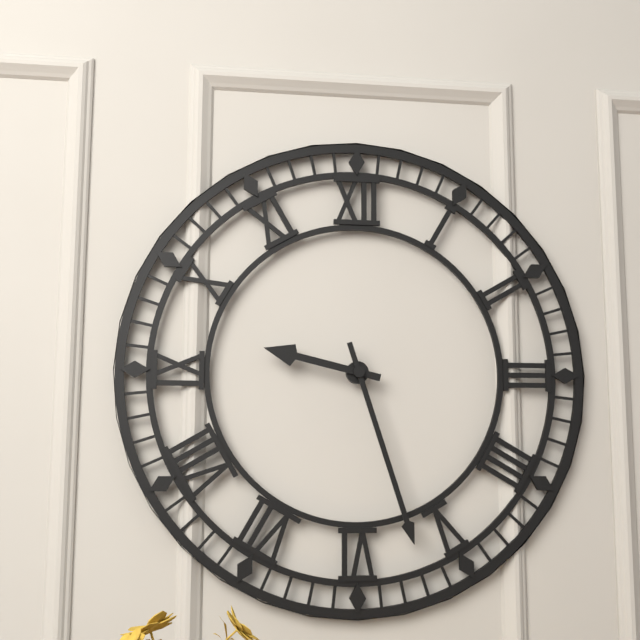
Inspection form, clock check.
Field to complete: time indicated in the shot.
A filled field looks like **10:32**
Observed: **9:27**
